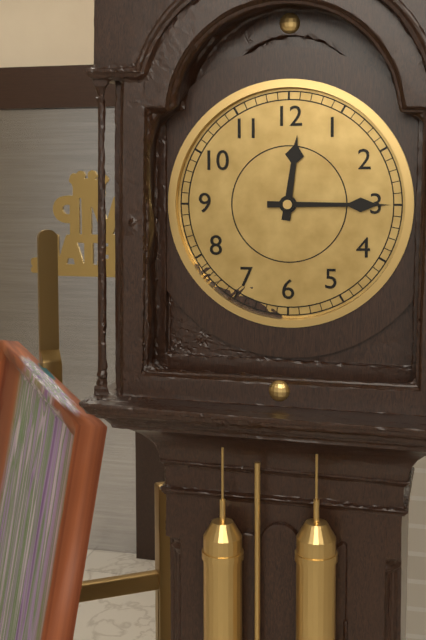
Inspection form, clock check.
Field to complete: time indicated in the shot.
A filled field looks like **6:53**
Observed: **12:15**
